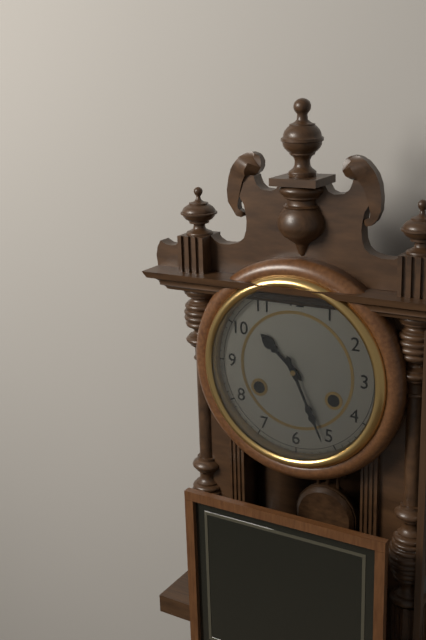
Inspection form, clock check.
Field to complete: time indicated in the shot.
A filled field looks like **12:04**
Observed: **10:26**
